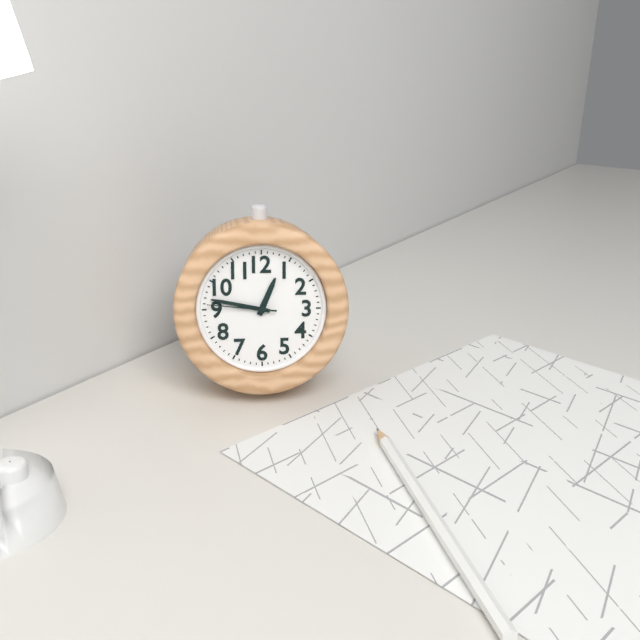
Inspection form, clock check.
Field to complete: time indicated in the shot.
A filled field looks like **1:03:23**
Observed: **12:47:46**
